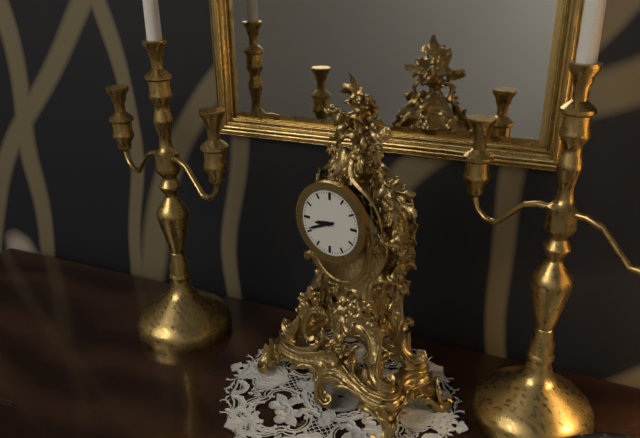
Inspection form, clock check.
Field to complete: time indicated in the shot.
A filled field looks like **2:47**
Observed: **8:41**
